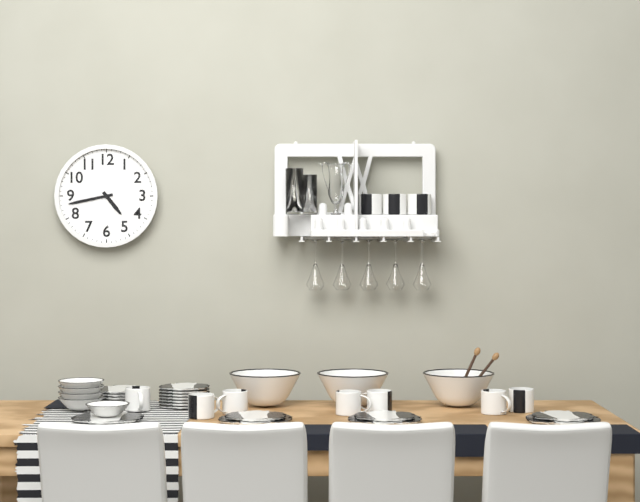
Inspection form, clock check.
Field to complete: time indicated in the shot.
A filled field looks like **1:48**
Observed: **4:43**
